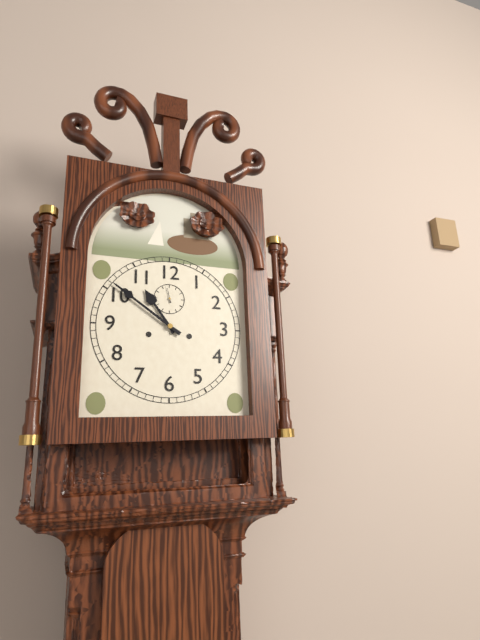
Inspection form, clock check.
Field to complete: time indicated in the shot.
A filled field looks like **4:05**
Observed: **10:51**
